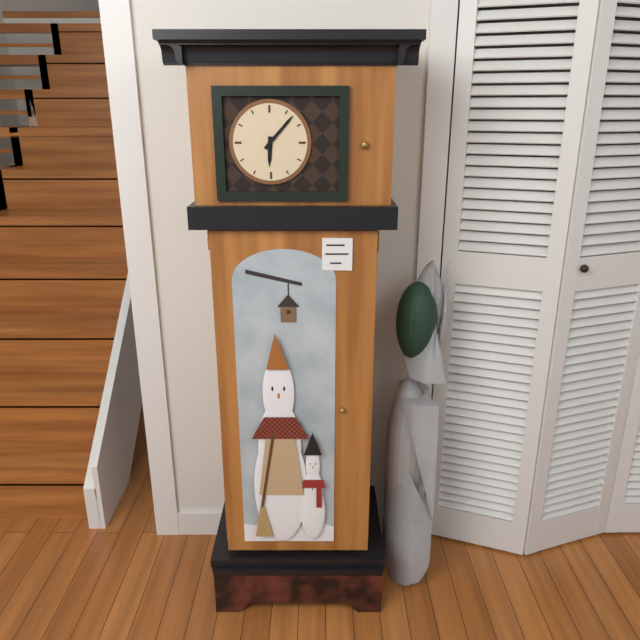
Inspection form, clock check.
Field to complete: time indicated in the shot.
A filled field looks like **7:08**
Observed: **6:07**
